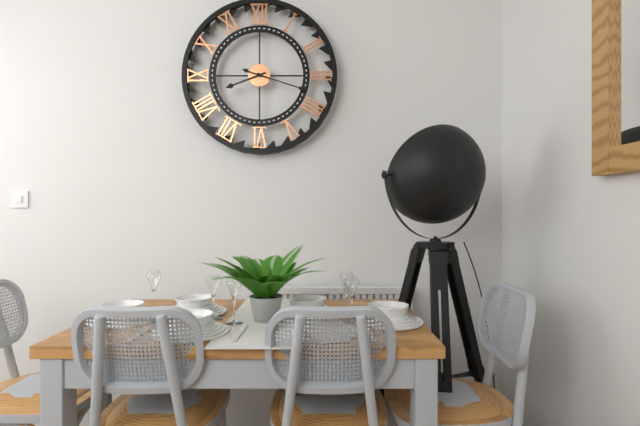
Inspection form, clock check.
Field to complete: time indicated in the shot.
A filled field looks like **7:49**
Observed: **8:18**
